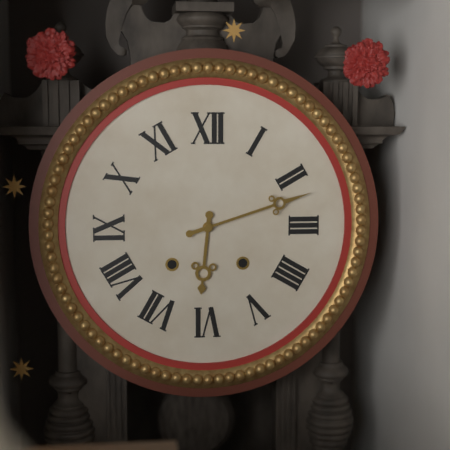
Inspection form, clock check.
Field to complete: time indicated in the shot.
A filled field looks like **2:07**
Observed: **6:12**
